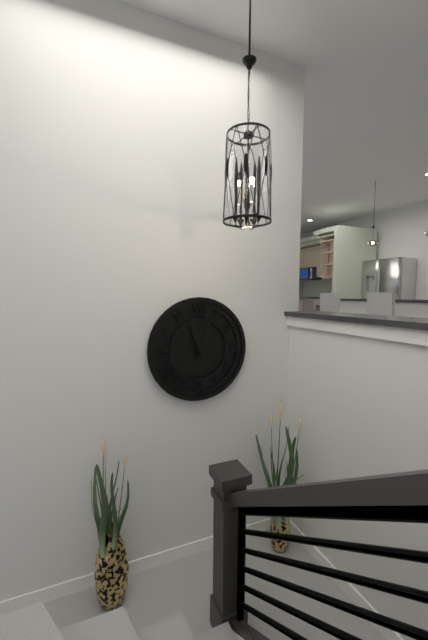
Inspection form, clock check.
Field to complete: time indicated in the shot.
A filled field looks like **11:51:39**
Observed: **11:19:03**
